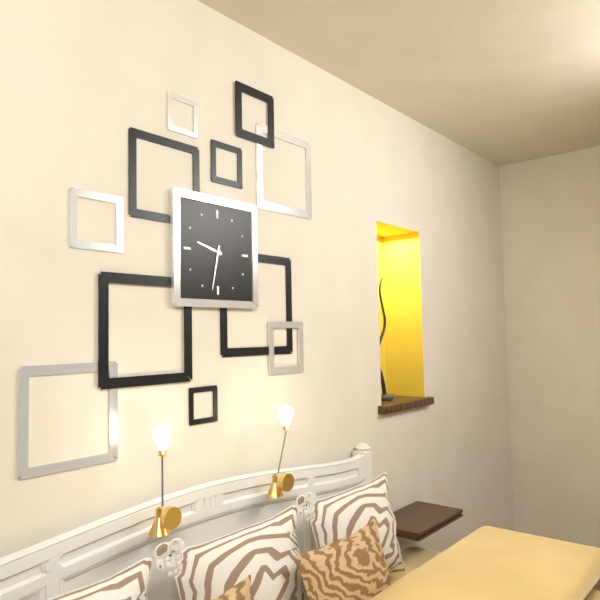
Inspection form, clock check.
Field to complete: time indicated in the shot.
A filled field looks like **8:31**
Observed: **9:32**
